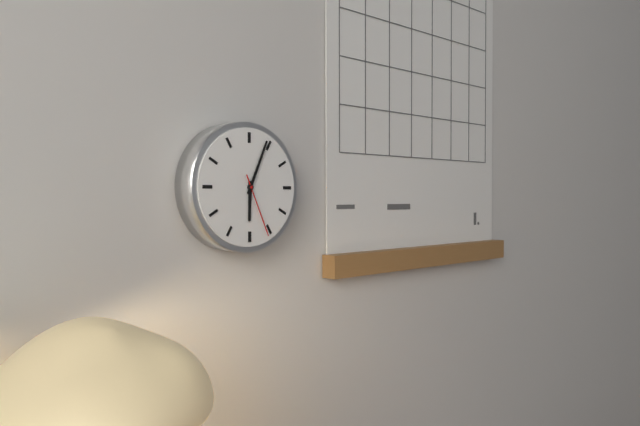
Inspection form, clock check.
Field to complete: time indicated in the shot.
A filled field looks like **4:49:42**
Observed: **6:04:26**
